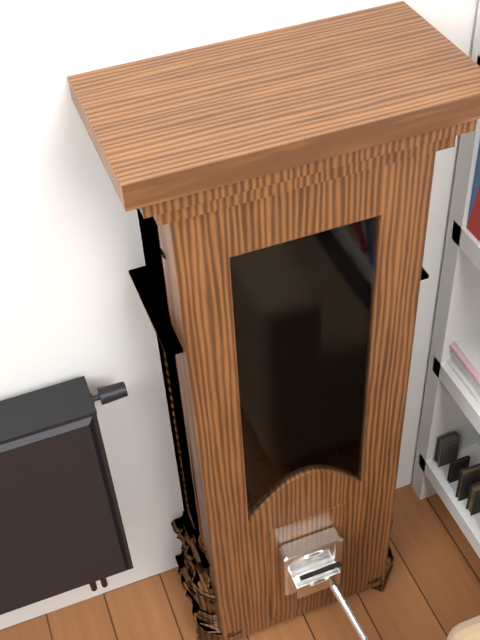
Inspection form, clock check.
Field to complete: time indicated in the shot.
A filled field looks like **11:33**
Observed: **7:00**
